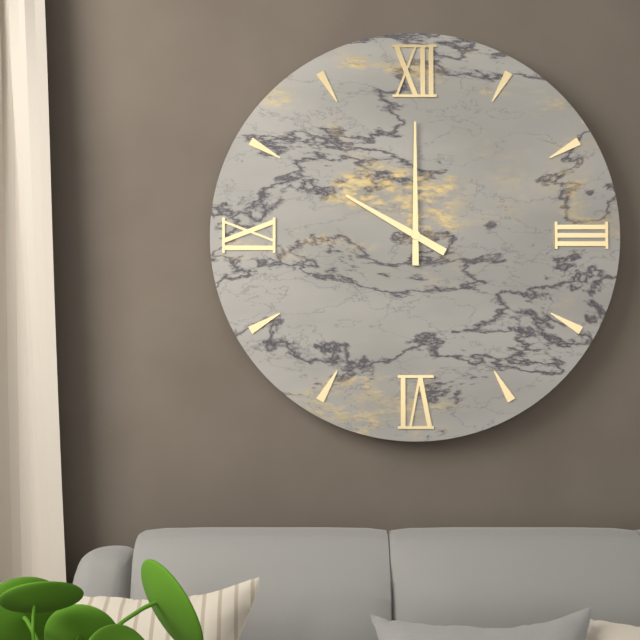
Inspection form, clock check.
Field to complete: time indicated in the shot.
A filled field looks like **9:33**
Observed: **10:00**
